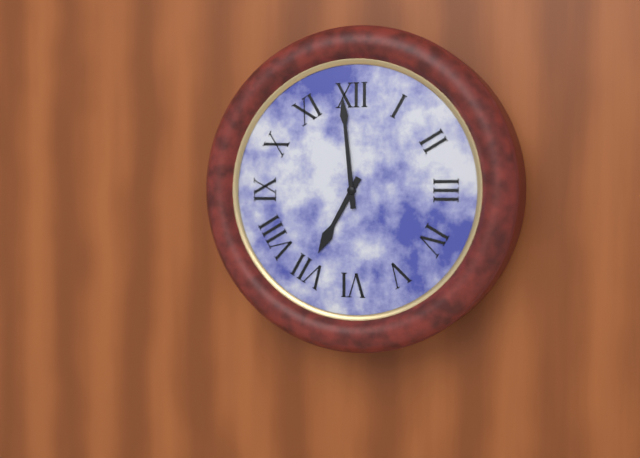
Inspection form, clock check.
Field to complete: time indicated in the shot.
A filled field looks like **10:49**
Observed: **6:59**
